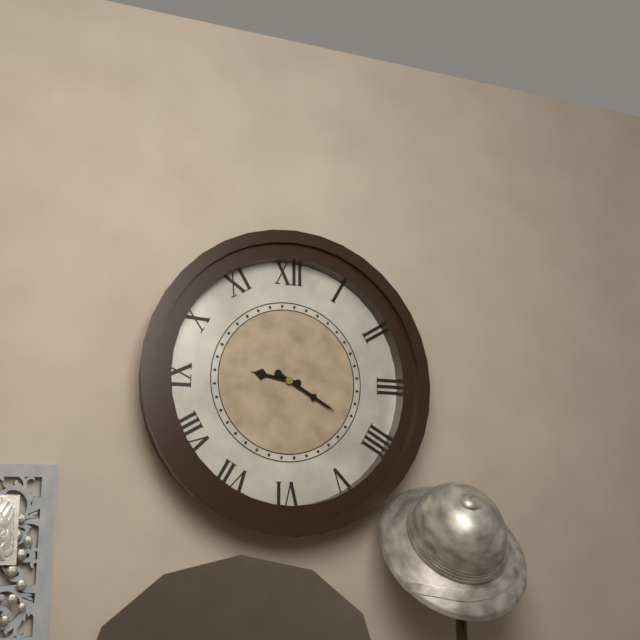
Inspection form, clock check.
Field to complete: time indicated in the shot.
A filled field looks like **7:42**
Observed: **9:20**
